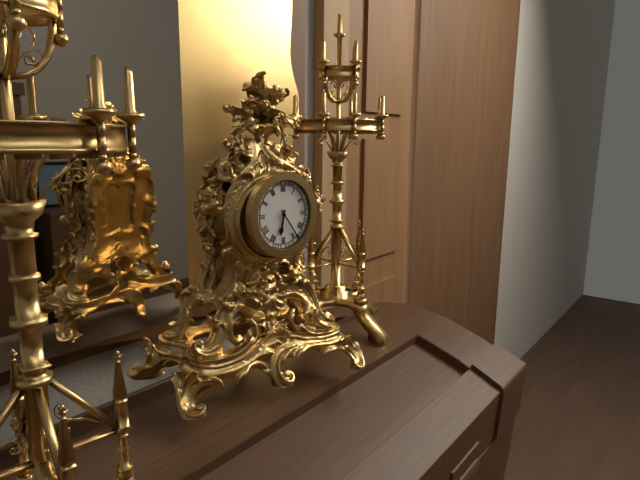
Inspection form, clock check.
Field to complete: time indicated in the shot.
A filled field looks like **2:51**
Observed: **6:24**
